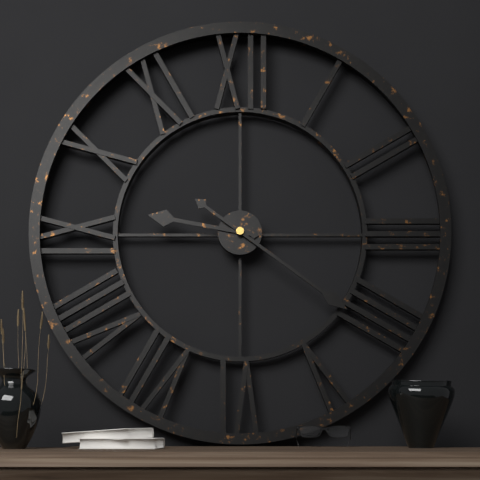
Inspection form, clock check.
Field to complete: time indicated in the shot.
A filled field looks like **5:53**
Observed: **9:21**
